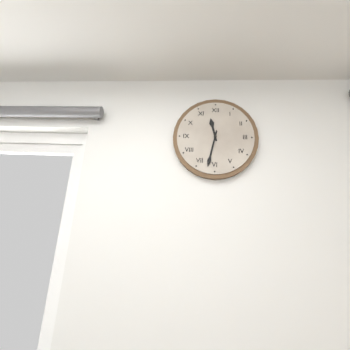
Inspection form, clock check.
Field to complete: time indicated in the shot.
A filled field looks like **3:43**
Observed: **11:32**
